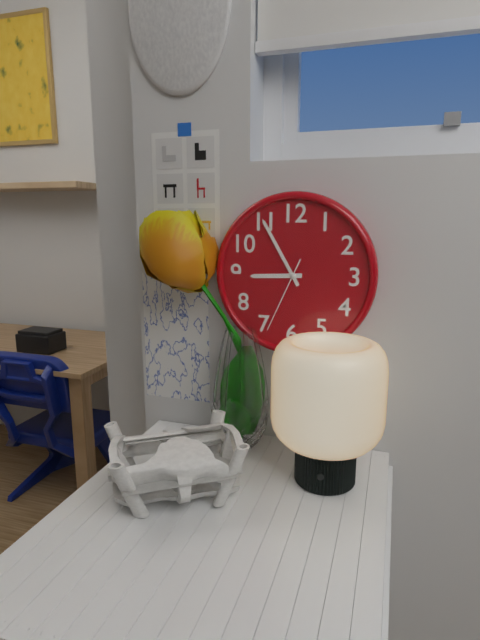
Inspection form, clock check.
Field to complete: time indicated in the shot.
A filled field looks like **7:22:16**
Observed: **8:55:34**
